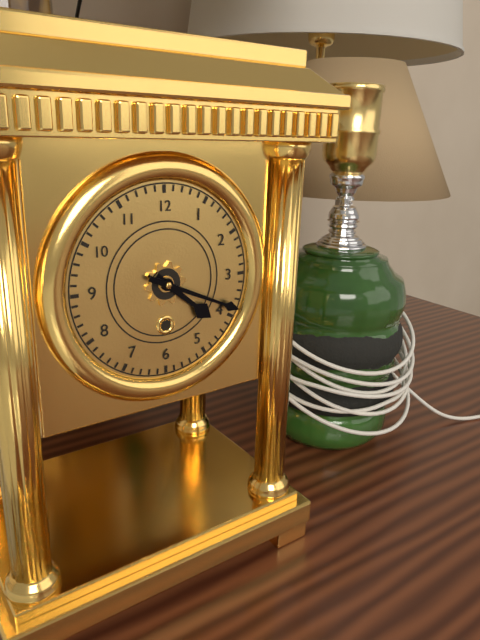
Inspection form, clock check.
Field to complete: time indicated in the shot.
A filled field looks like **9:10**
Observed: **4:19**
